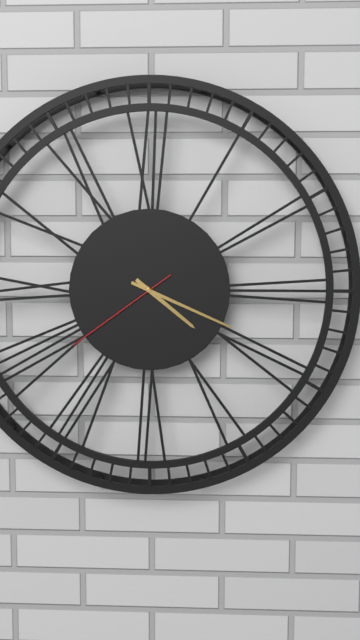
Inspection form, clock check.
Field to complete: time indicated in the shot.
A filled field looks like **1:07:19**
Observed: **4:19:39**
